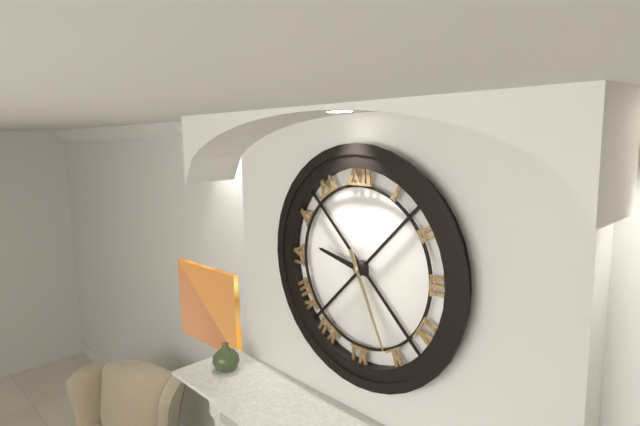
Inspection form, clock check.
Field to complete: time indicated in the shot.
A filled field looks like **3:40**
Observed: **9:26**
